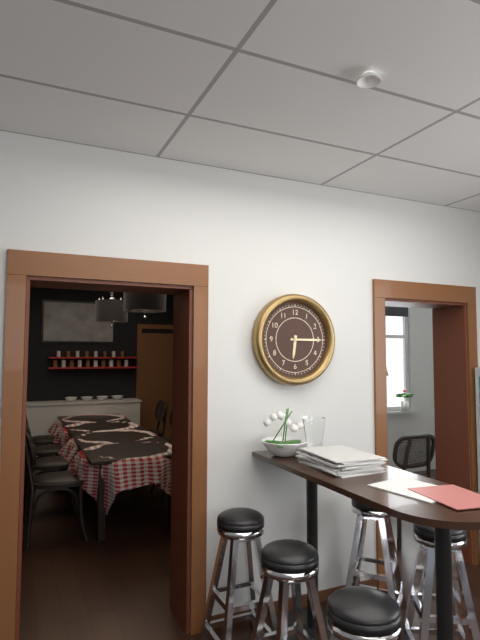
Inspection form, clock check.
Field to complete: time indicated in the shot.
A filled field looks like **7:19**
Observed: **6:15**
